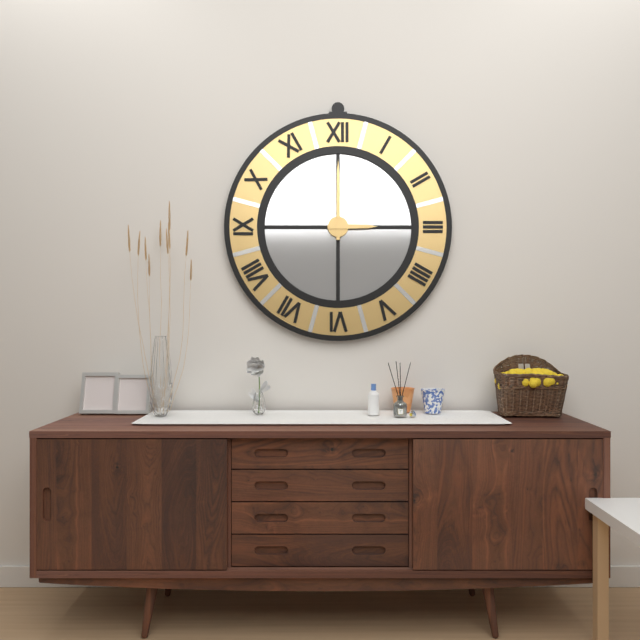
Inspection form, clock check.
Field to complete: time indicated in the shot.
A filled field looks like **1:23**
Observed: **3:00**
